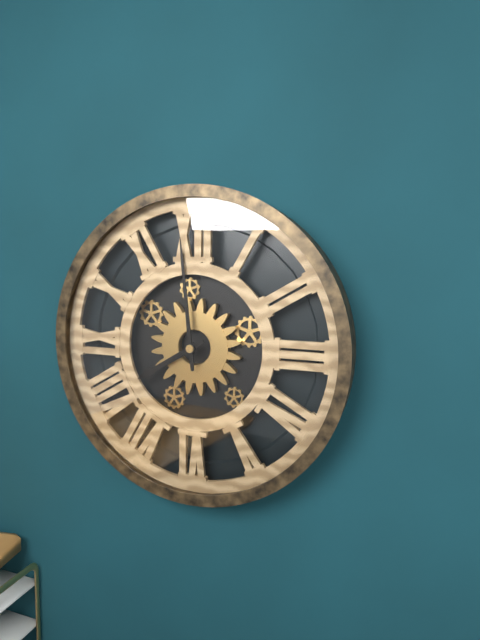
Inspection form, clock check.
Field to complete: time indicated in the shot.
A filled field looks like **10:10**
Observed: **7:59**
